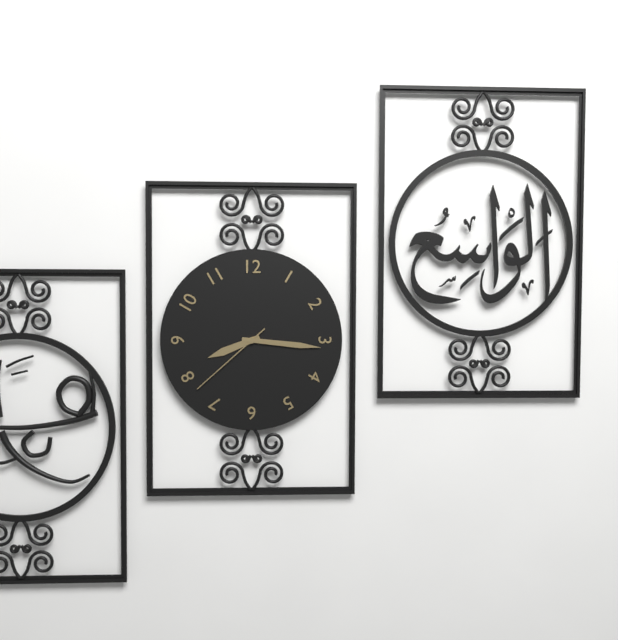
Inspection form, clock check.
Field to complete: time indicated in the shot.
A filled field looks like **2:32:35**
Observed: **8:16:38**
